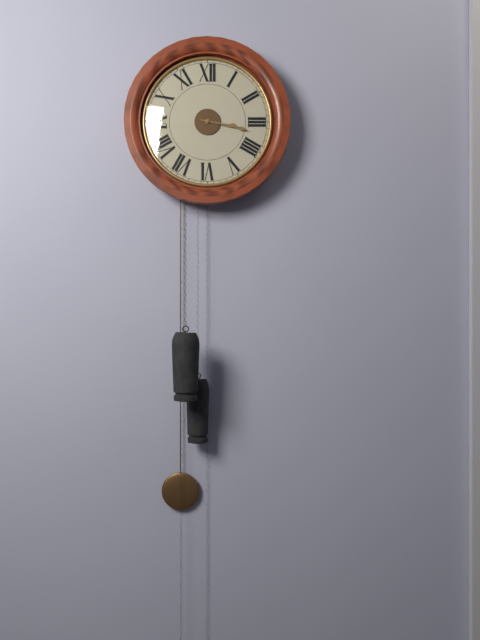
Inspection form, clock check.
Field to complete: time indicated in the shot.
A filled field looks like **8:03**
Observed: **3:17**
